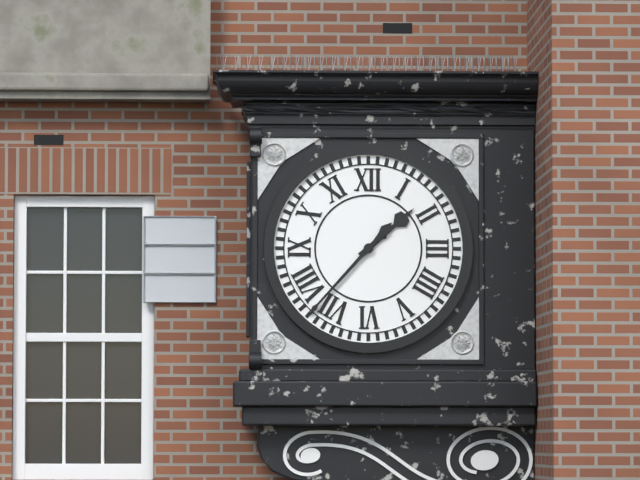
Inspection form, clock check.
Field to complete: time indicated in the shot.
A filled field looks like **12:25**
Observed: **1:37**
